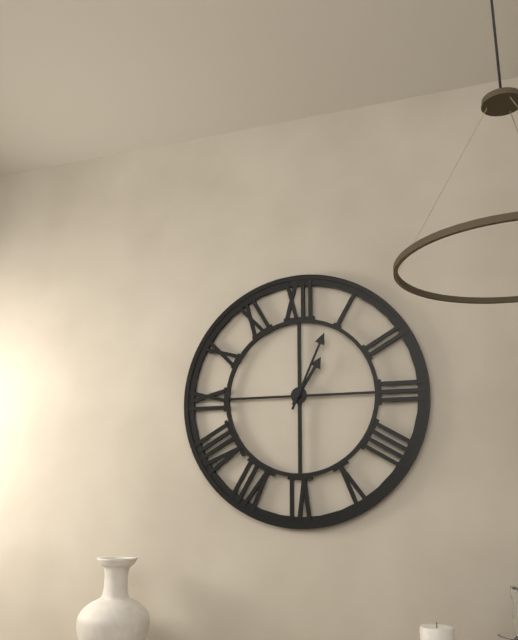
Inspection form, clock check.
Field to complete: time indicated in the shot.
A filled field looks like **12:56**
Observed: **1:04**
